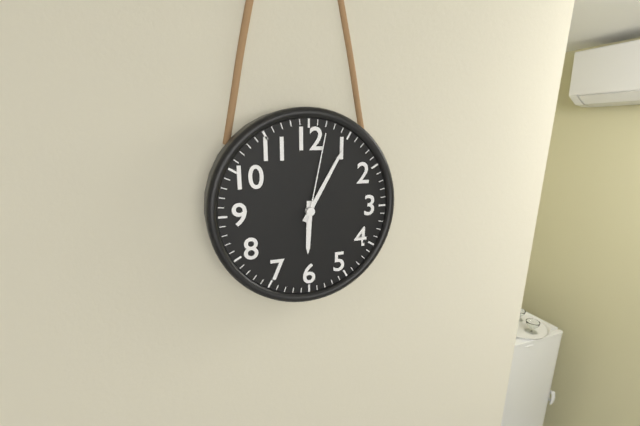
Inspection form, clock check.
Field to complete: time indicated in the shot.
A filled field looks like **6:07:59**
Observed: **6:05:02**
